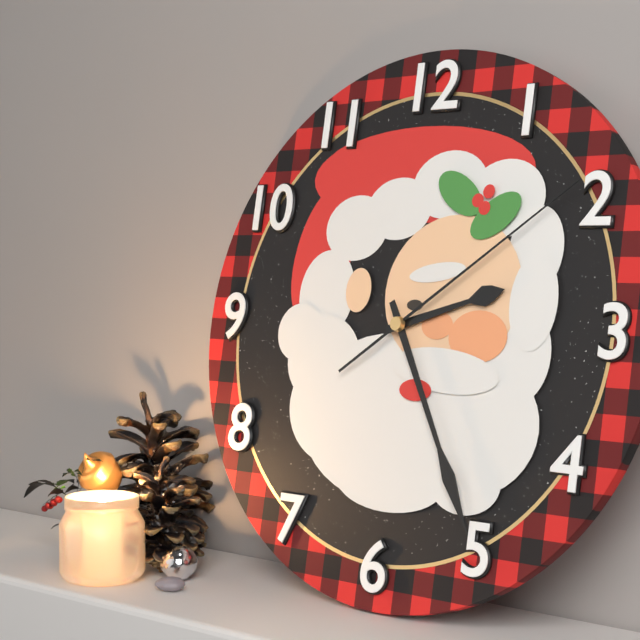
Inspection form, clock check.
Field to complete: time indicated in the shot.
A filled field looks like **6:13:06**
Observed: **2:25:09**
